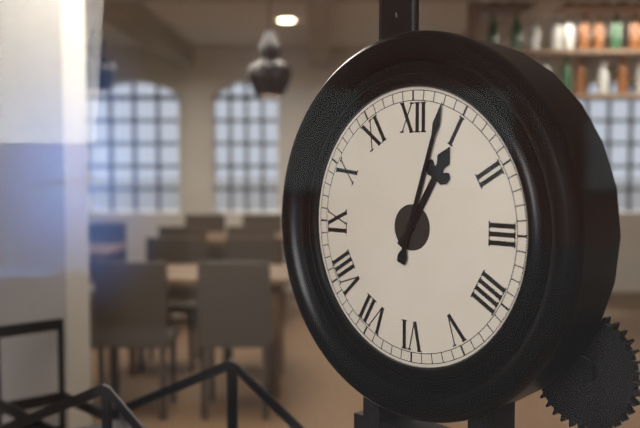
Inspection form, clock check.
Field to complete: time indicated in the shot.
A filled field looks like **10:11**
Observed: **1:03**
